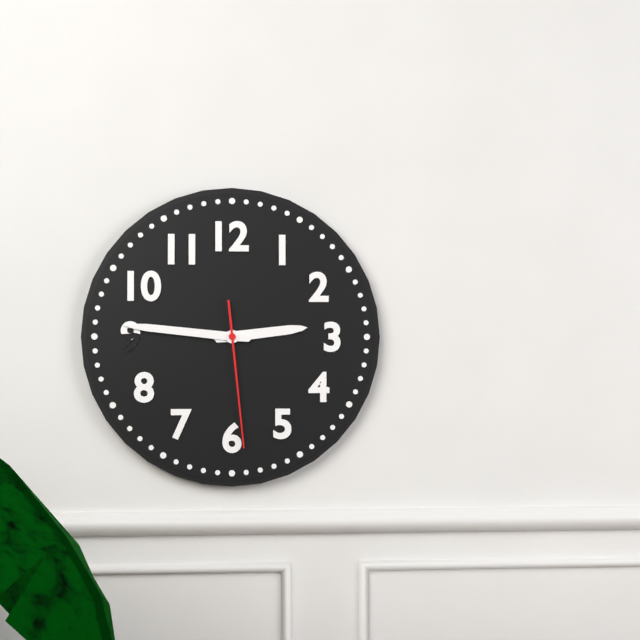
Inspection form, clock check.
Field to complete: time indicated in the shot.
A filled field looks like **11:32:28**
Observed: **2:46:29**
